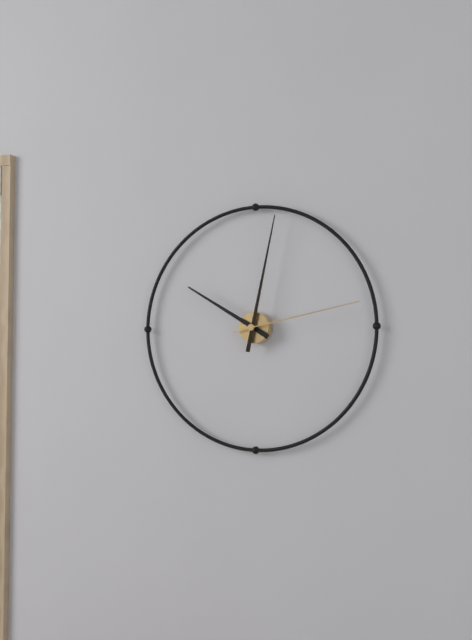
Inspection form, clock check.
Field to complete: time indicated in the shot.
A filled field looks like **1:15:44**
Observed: **10:02:13**
